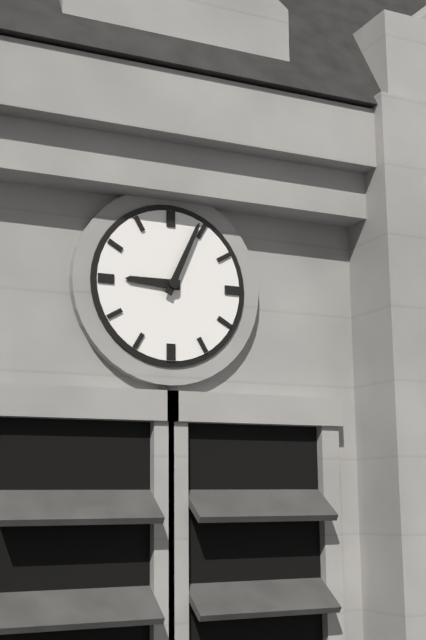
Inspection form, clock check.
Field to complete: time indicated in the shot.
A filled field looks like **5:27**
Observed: **9:04**
